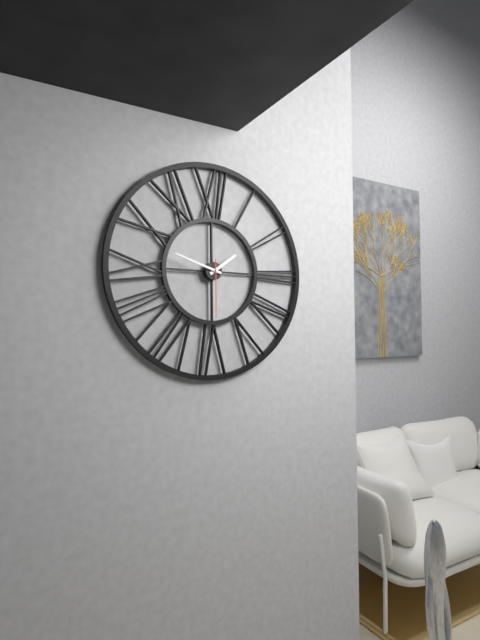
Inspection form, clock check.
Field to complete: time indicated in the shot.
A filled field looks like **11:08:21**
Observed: **1:48:30**
